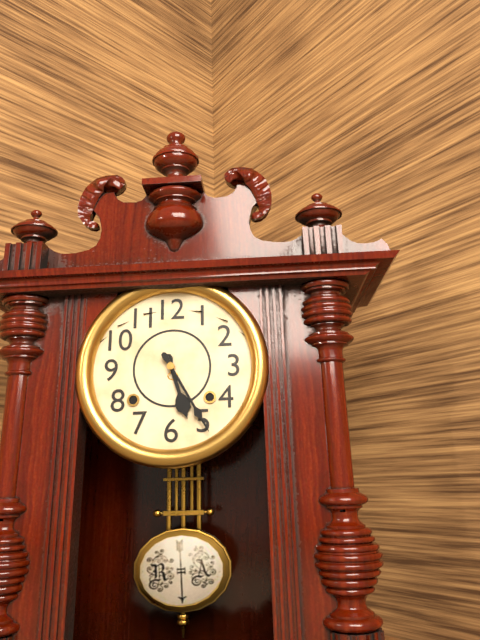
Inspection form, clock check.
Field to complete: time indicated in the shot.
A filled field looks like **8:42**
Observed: **5:25**
